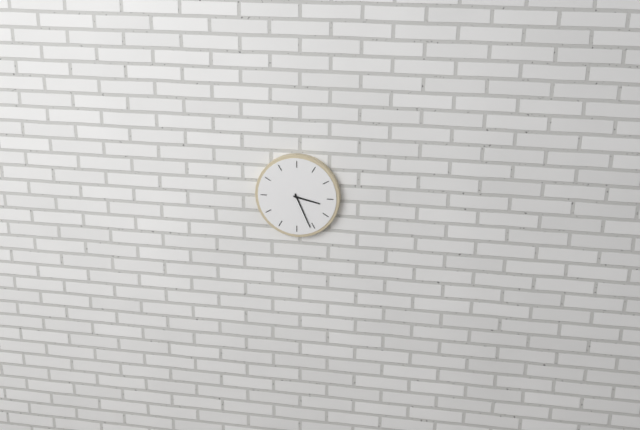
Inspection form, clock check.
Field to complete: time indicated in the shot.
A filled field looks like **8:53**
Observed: **3:26**
